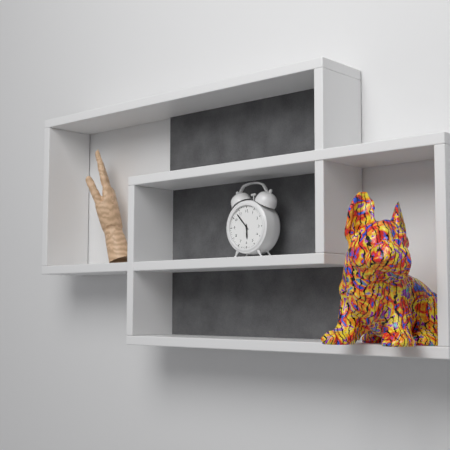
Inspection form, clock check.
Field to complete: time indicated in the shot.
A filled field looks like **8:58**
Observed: **5:53**
